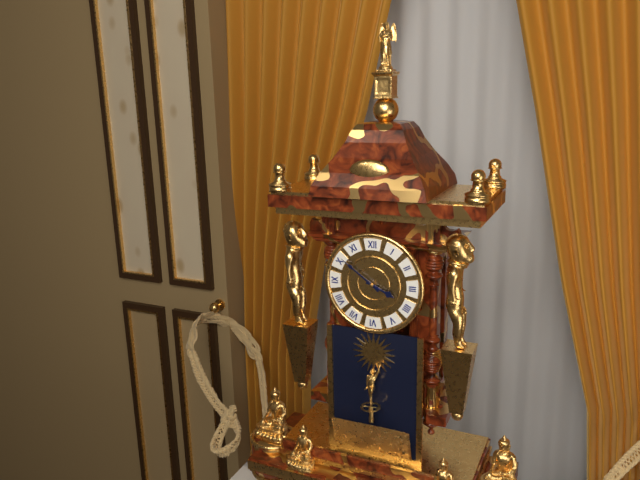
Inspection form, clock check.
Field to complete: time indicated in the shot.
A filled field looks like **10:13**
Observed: **3:51**
